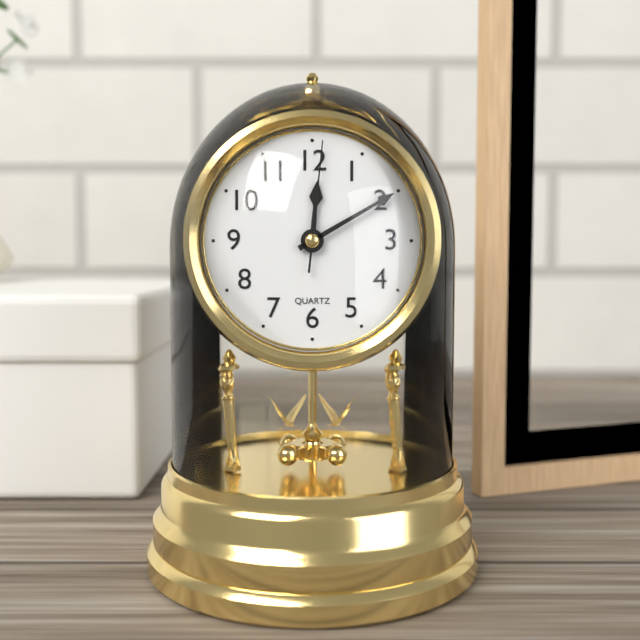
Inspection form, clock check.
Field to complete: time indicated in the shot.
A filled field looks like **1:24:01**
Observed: **12:10:01**
